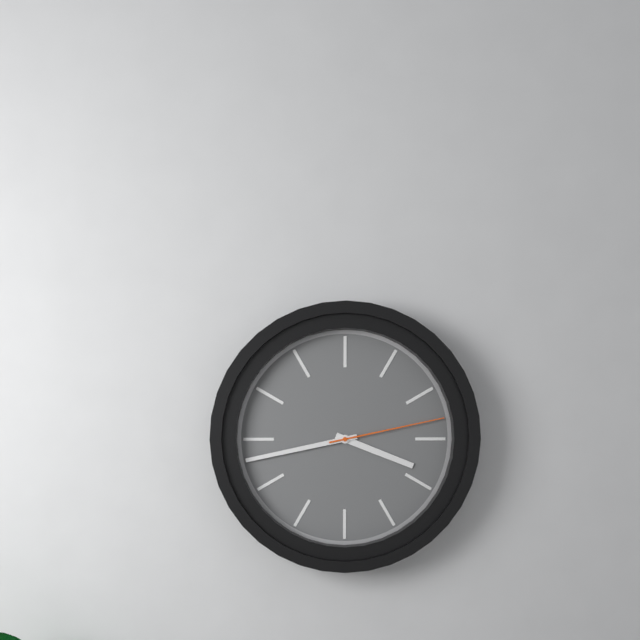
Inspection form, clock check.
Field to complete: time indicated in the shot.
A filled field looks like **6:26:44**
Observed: **3:43:13**
